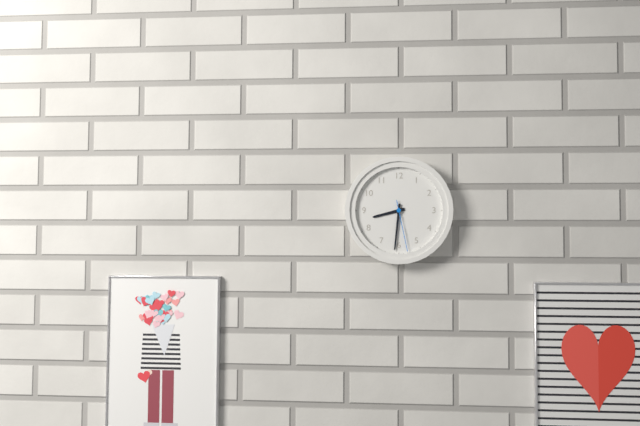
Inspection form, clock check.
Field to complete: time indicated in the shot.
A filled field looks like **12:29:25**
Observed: **8:31:28**
